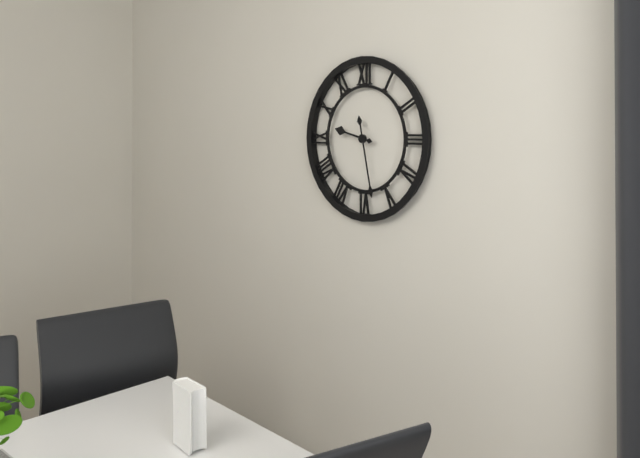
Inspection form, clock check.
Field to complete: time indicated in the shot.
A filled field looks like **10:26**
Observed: **9:28**
